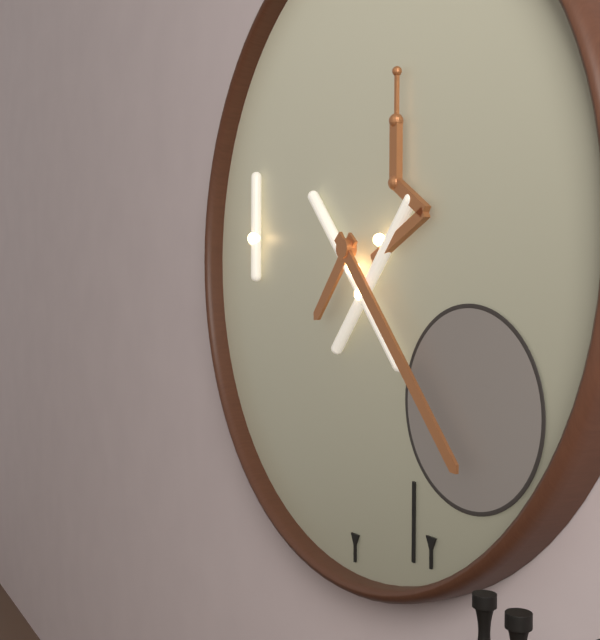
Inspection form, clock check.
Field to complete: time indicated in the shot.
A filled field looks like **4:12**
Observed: **7:23**
